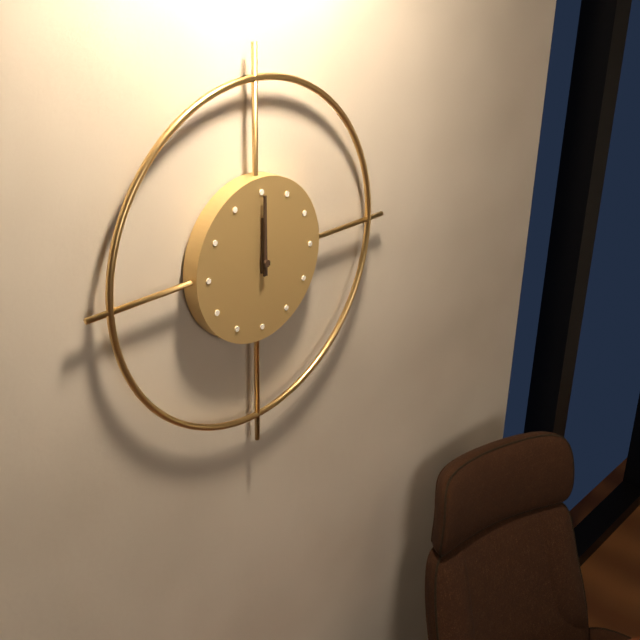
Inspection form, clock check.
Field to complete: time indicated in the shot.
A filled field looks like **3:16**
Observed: **12:00**
